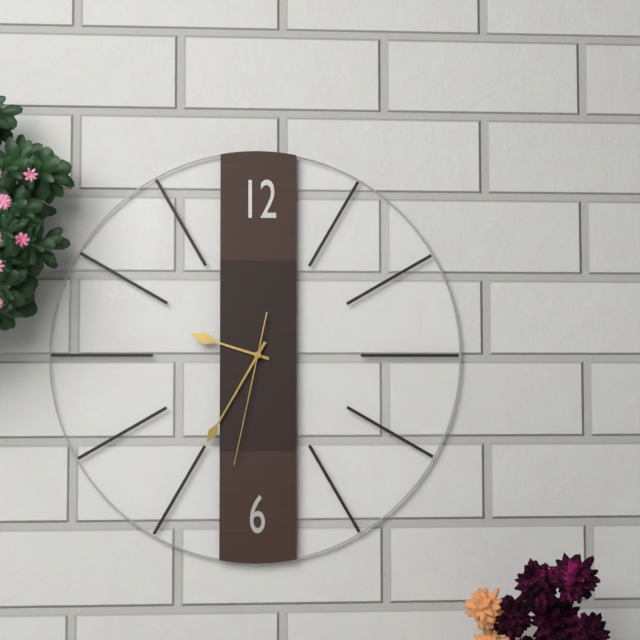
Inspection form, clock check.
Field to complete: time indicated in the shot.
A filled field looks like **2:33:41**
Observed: **9:35:32**
